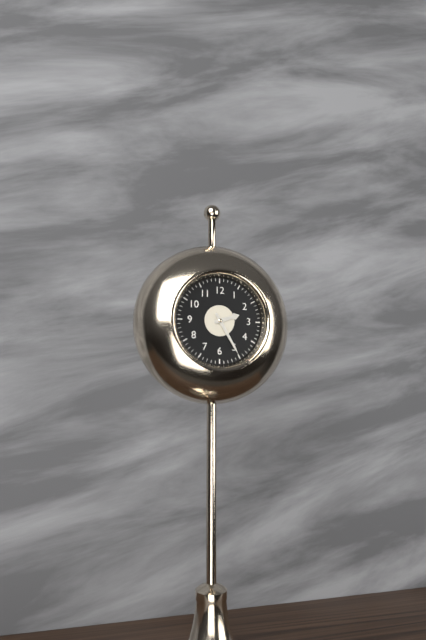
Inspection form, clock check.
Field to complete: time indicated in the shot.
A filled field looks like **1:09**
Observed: **2:25**
